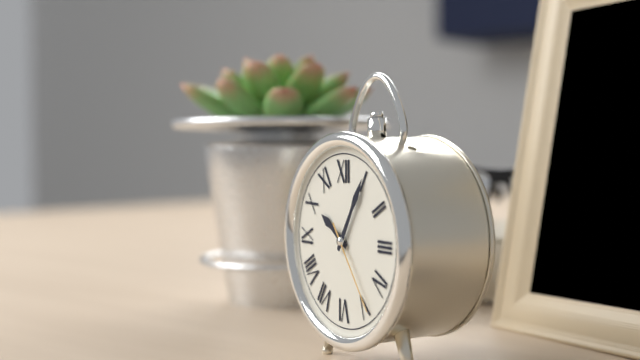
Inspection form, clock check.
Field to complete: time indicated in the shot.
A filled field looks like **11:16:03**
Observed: **10:05:24**
